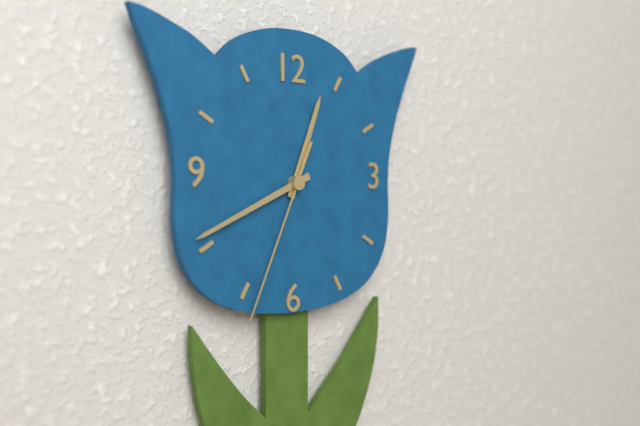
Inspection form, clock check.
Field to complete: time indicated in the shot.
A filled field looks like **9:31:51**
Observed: **12:41:34**
